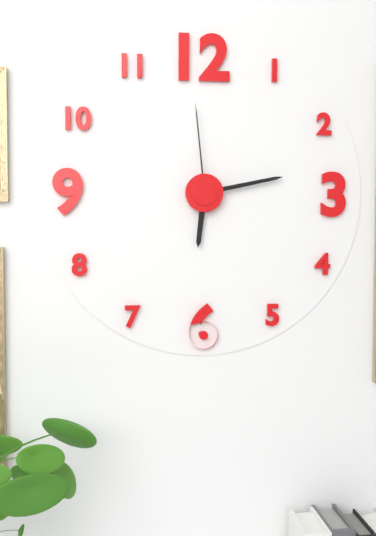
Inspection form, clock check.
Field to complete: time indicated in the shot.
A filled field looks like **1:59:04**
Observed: **6:13:59**
